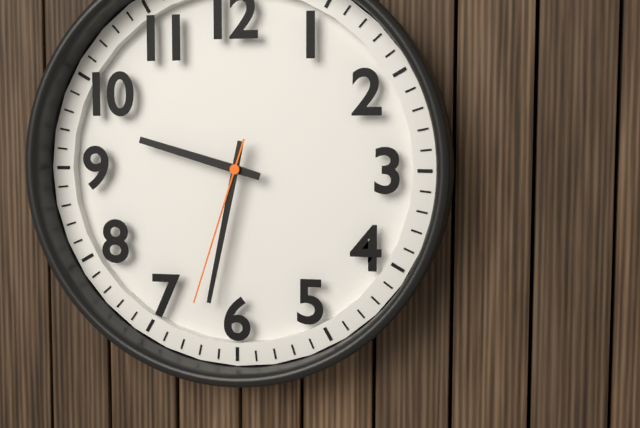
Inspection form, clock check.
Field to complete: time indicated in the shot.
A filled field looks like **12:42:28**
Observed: **9:32:33**
